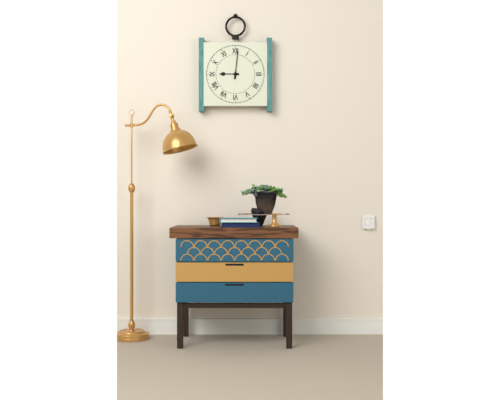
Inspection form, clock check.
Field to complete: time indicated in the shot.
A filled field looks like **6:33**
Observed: **9:01**
